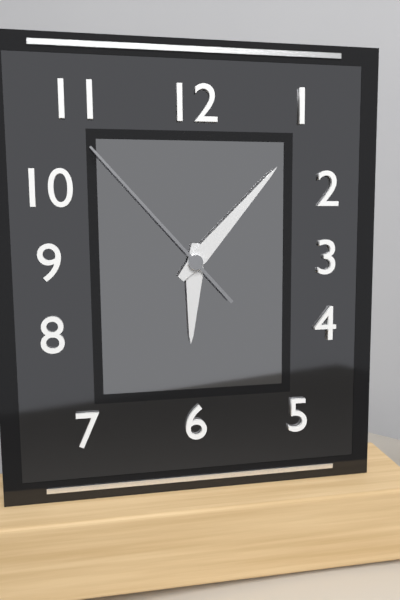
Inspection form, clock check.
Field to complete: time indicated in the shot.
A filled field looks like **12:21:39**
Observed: **6:07:53**
